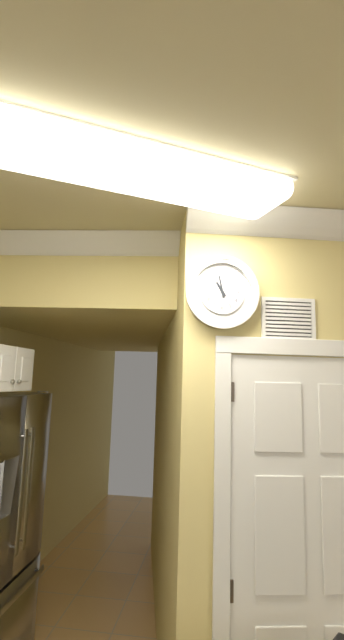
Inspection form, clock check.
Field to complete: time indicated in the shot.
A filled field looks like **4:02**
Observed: **10:58**
